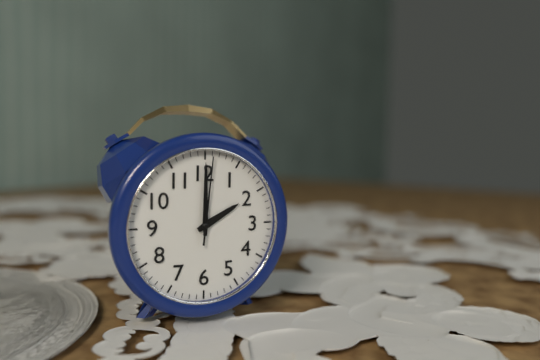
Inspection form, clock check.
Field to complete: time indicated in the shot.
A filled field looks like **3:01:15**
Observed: **2:00:01**
